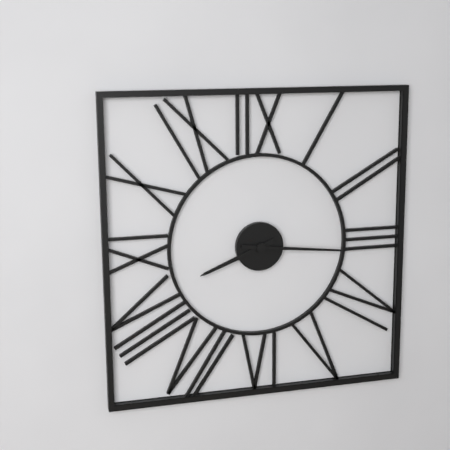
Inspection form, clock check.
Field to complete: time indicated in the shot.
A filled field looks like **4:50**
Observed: **8:16**
